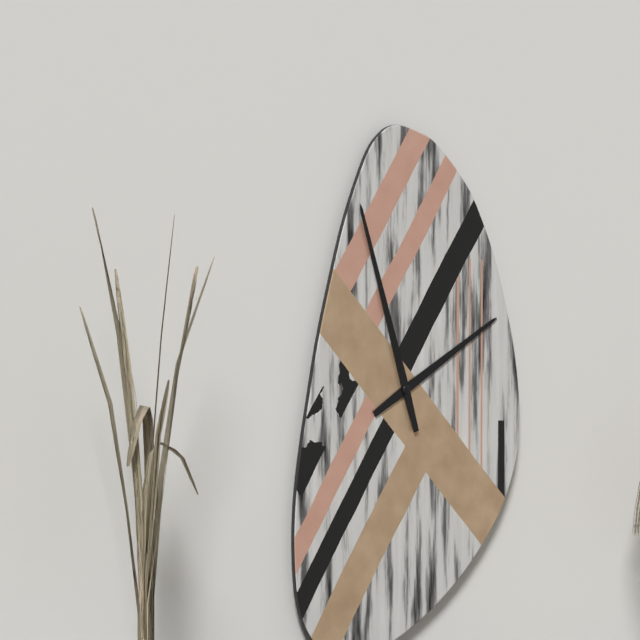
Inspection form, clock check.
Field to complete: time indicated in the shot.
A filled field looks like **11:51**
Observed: **1:57**
